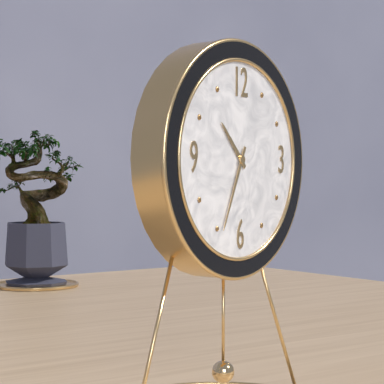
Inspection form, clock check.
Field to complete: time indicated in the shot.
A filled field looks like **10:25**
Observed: **10:34**
